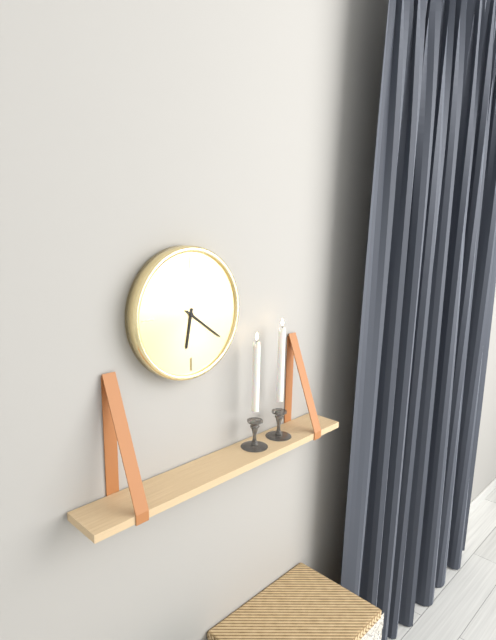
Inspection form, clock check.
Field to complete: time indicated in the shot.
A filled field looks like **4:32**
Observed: **6:21**
